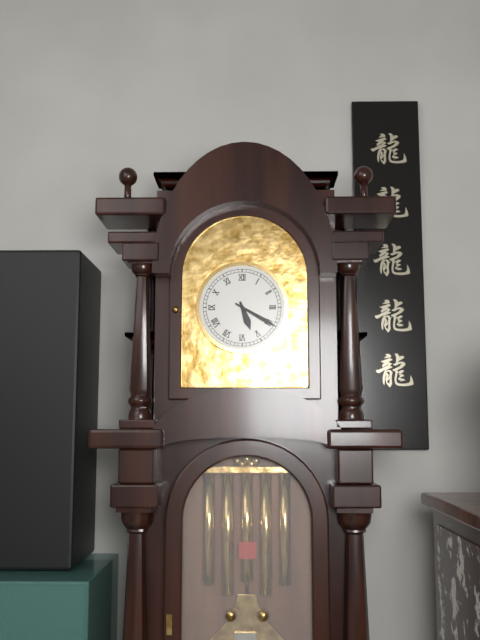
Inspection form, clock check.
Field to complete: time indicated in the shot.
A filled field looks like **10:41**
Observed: **5:20**
